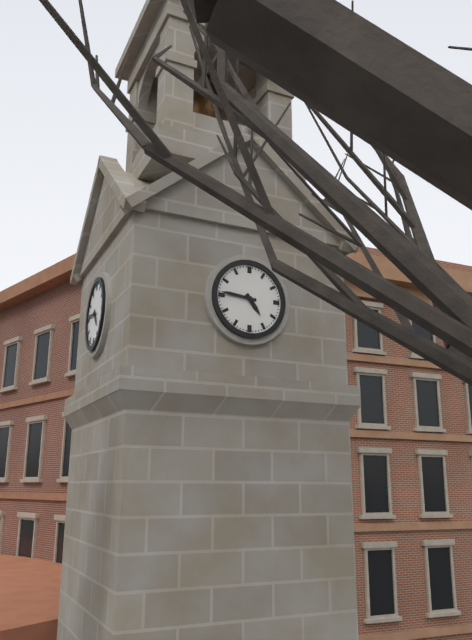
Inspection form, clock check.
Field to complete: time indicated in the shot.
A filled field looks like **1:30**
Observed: **4:46**
